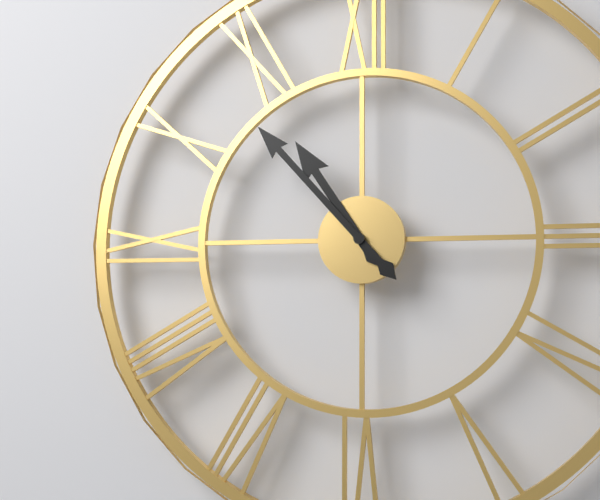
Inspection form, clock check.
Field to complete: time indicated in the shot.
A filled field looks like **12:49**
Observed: **10:53**
